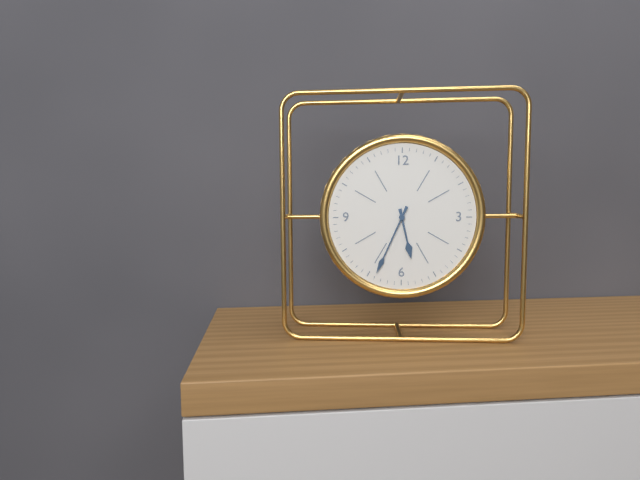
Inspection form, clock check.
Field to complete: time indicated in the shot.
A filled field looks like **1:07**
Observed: **5:34**
